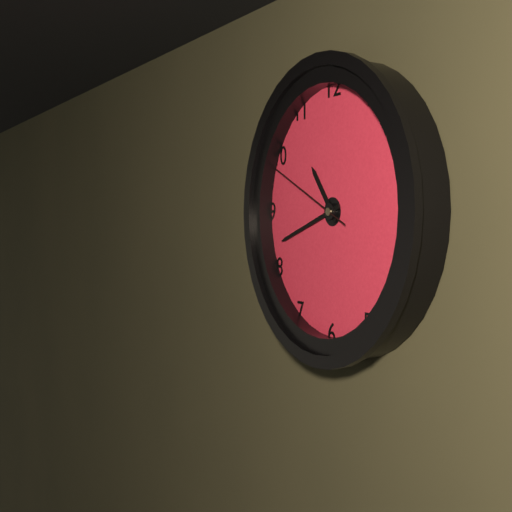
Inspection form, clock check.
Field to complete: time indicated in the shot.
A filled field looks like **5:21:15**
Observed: **10:42:49**
